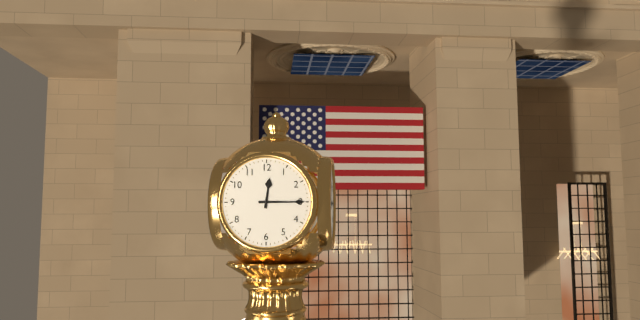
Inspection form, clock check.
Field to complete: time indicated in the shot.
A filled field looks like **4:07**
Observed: **12:15**
